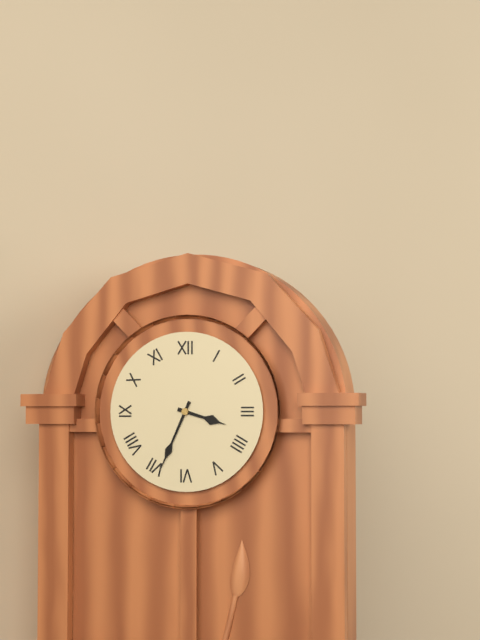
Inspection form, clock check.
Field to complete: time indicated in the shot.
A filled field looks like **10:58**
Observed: **3:34**
